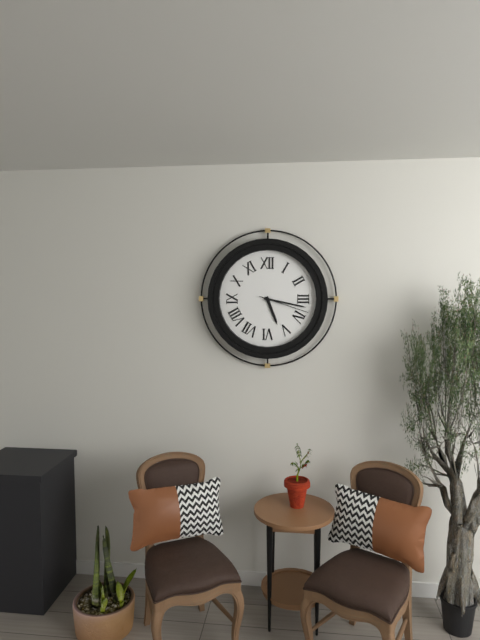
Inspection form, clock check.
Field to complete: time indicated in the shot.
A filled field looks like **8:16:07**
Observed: **5:17:18**
